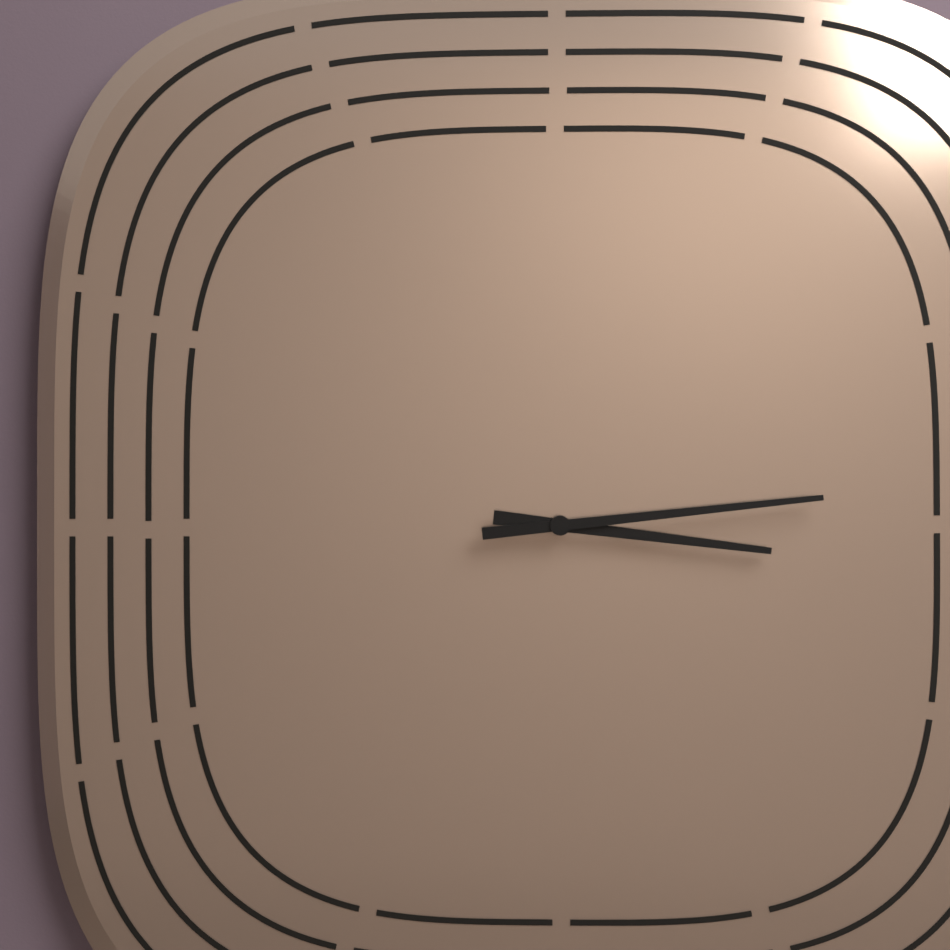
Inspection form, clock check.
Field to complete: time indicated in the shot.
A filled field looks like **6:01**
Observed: **3:14**
